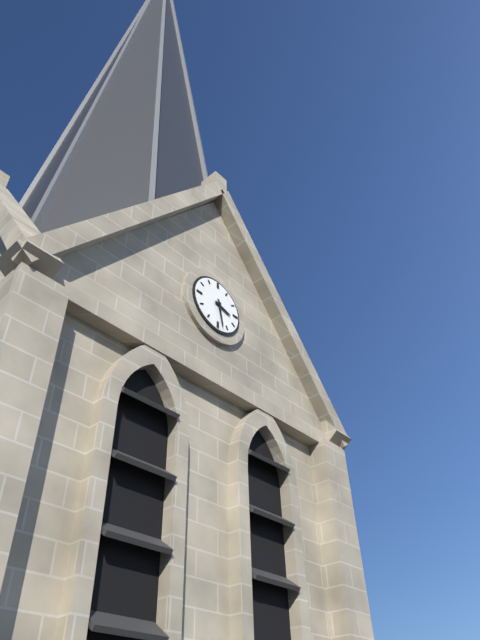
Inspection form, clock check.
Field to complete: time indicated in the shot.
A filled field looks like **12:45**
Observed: **3:28**
